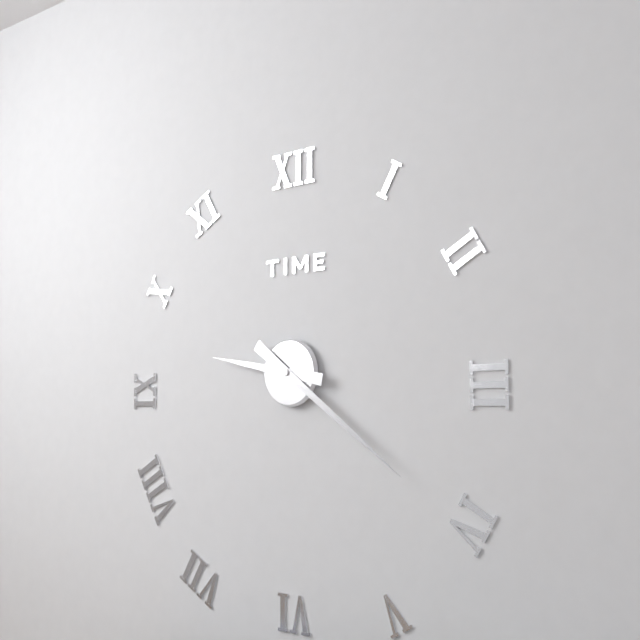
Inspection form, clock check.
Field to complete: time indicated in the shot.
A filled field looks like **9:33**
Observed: **9:21**
